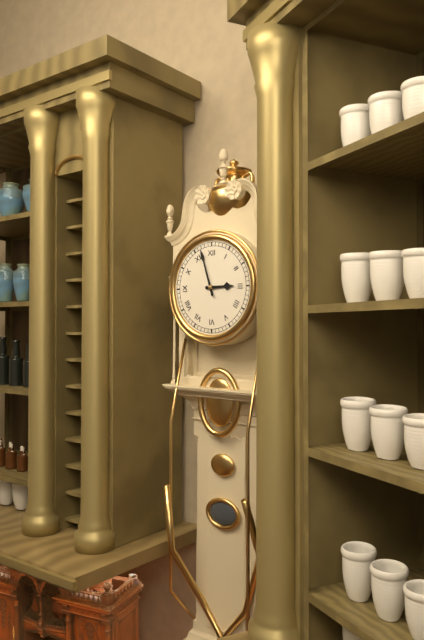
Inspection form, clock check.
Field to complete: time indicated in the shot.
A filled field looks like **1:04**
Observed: **2:57**
